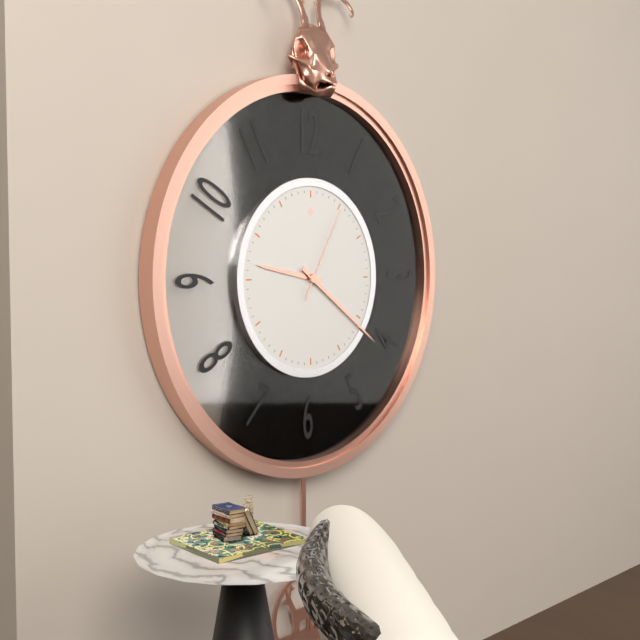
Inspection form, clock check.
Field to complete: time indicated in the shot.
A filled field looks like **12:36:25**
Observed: **9:21:05**
